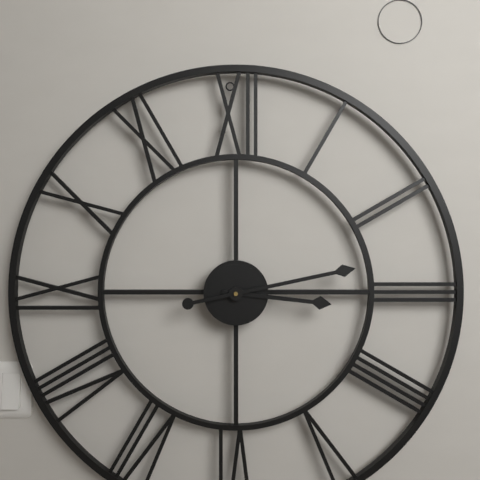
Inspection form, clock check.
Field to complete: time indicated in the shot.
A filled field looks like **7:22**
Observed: **3:13**
